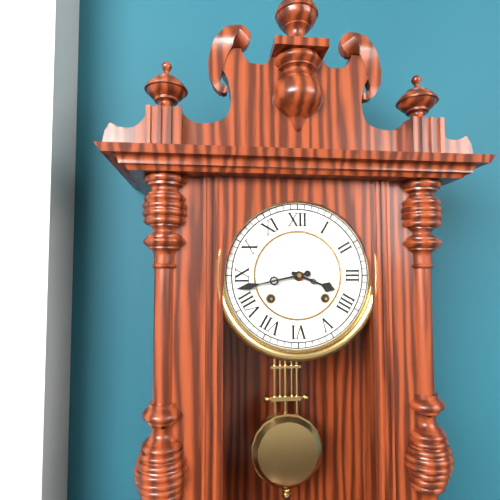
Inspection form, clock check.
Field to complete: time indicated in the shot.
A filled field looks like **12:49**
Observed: **3:43**
